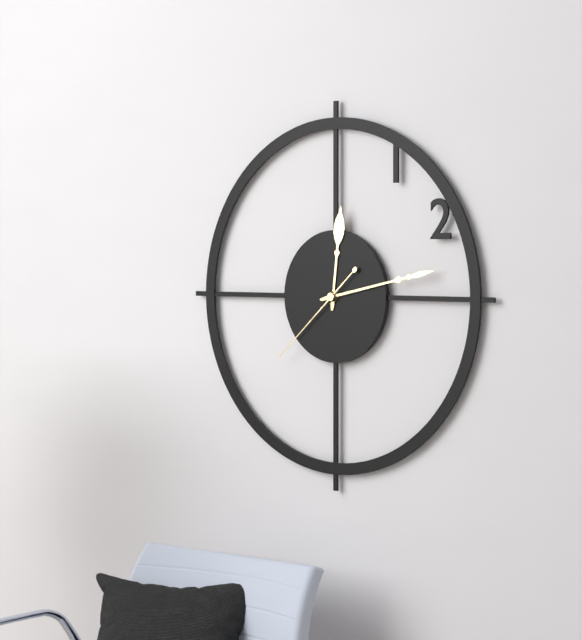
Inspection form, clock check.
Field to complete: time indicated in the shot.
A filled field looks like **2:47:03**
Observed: **12:13:38**
